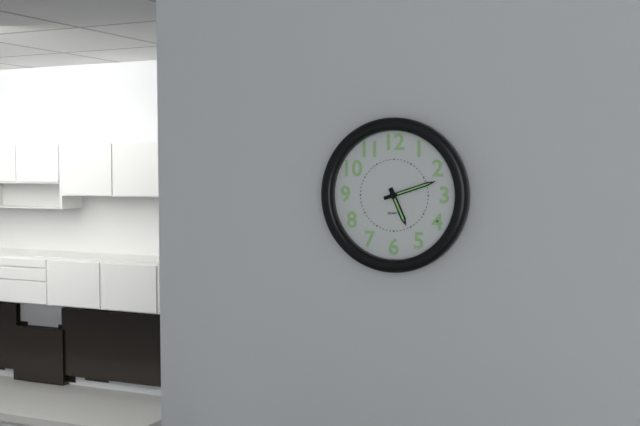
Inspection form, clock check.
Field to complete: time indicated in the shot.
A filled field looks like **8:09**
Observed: **5:12**
